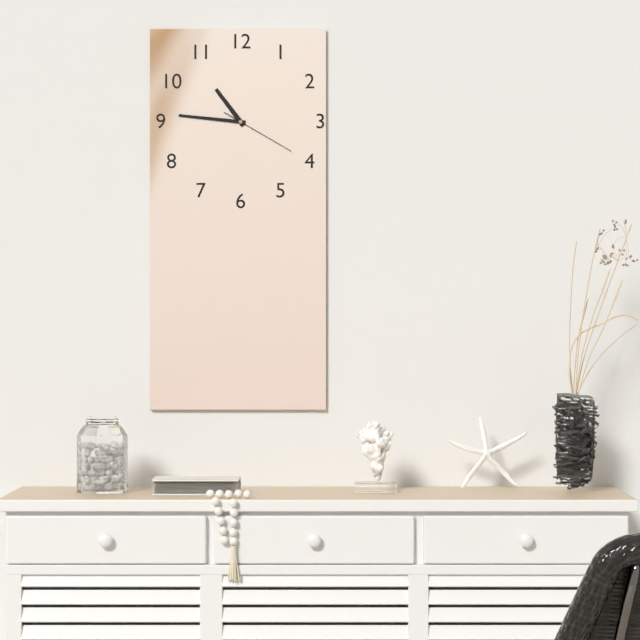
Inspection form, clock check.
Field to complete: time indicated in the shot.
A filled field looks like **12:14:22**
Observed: **10:46:20**
